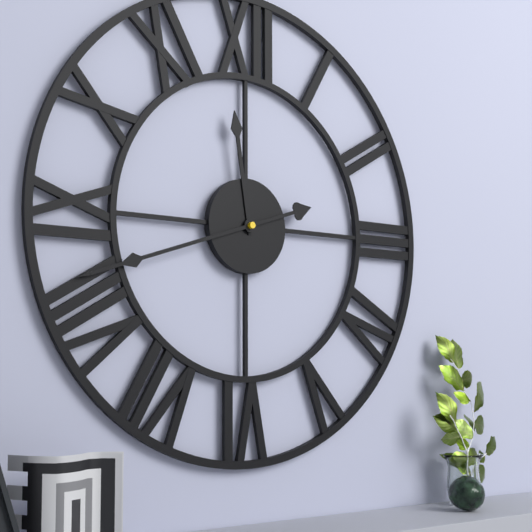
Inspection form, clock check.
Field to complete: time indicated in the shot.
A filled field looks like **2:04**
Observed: **11:42**
